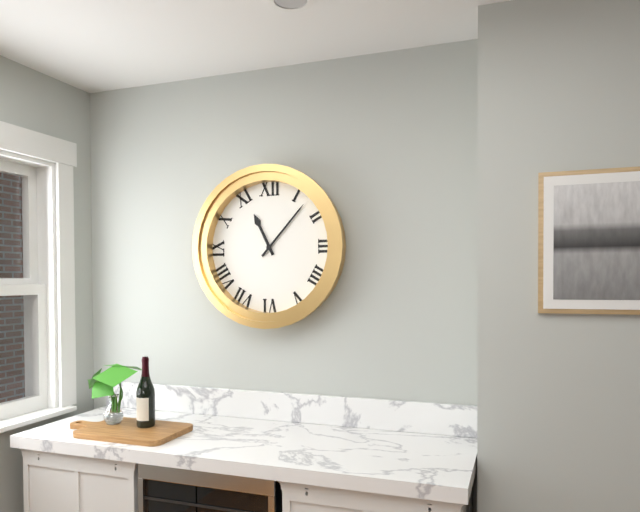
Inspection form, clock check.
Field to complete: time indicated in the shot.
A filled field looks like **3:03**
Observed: **11:07**
